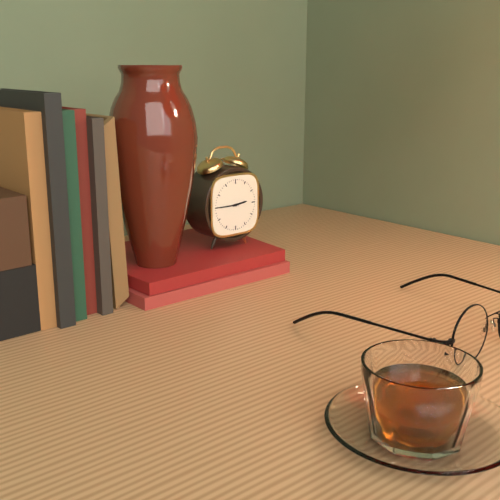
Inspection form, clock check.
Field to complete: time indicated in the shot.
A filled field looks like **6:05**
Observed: **2:45**
